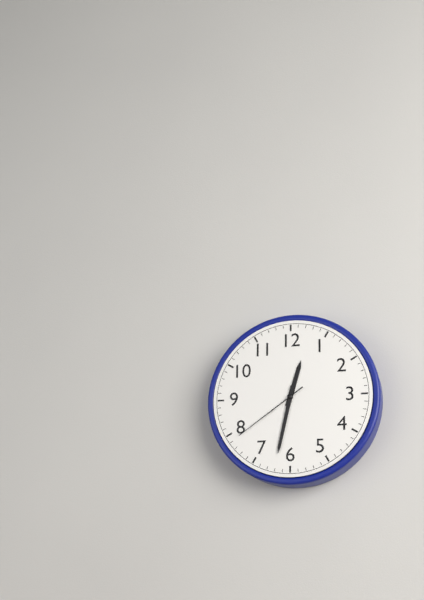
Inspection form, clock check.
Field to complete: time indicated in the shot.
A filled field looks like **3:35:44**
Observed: **12:32:39**
